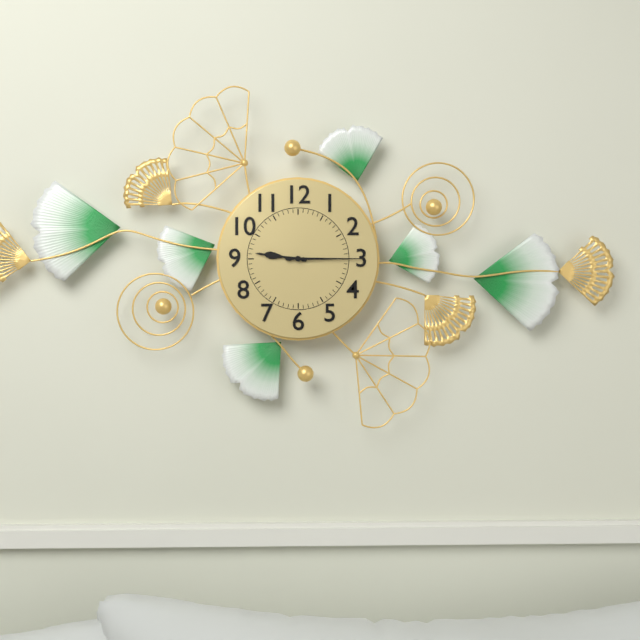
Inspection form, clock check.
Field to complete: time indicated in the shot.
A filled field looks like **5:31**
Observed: **9:15**
